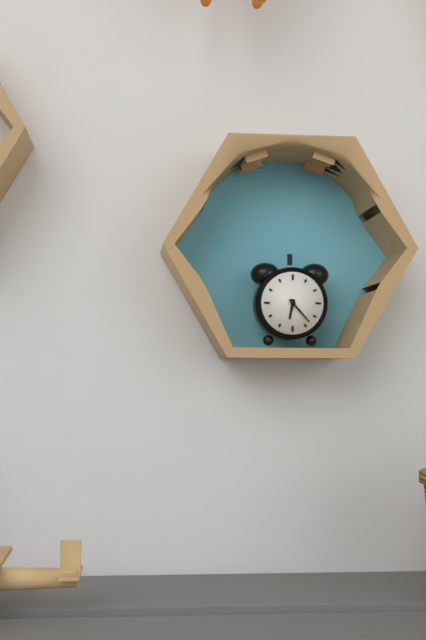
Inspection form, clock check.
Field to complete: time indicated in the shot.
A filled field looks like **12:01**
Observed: **6:23**
